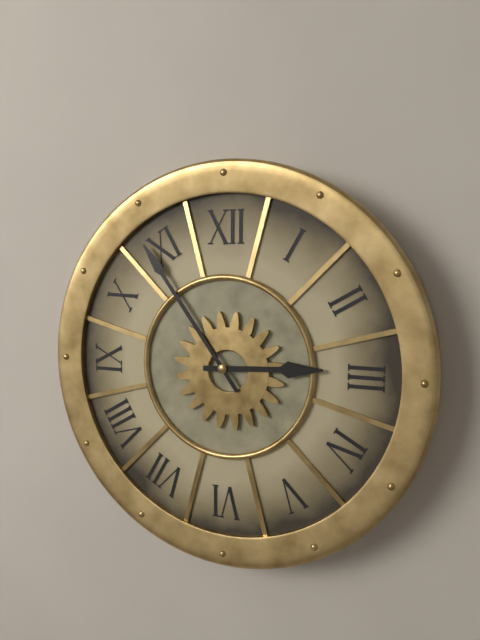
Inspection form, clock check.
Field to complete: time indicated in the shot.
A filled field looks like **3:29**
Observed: **2:54**
